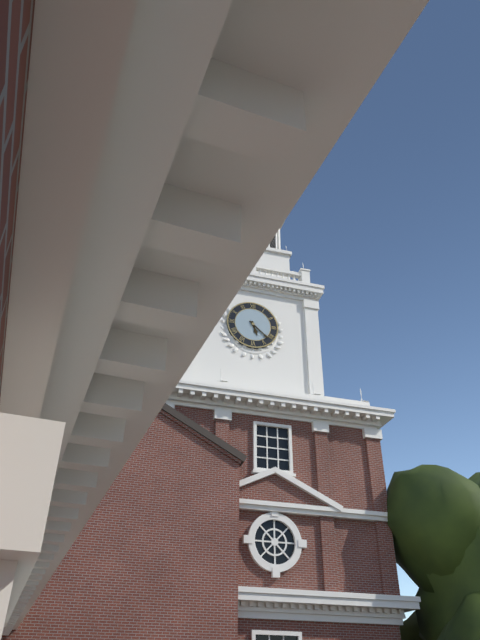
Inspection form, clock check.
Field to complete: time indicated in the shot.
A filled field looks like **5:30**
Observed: **5:22**
